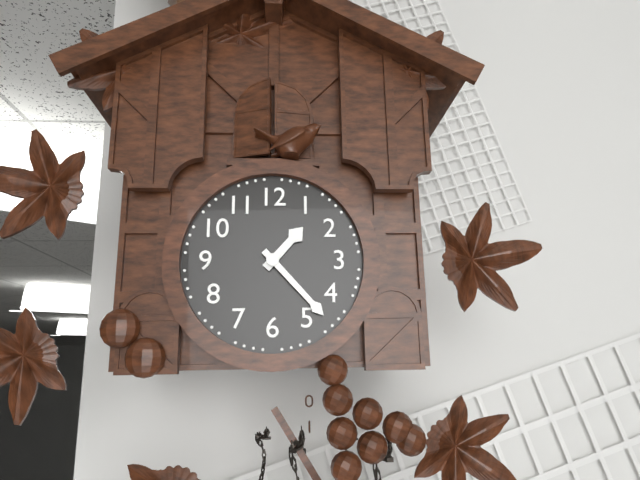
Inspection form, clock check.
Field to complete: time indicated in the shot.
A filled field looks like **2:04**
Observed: **1:23**
